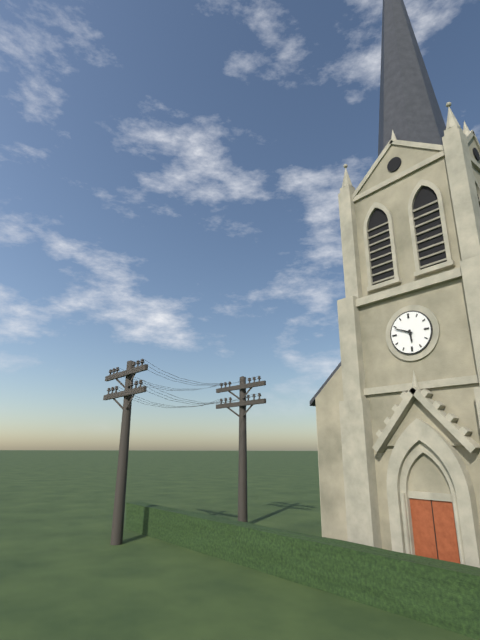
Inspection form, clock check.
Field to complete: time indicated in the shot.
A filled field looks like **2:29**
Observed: **5:49**
